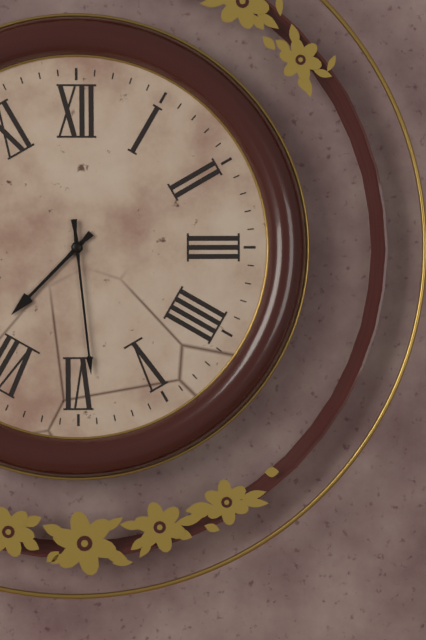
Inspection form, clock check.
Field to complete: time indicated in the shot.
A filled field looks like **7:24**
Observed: **7:29**
